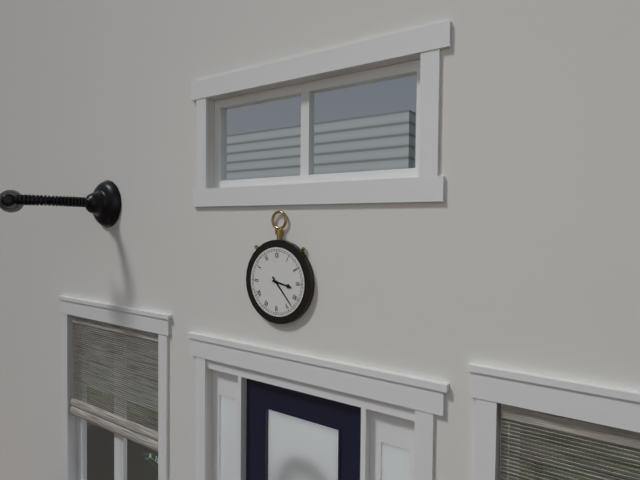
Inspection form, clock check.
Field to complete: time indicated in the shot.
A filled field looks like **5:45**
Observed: **3:23**
